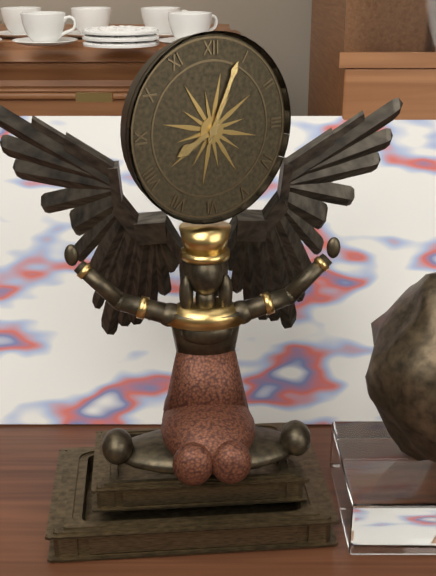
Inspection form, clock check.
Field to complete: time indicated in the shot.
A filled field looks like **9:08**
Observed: **8:04**
